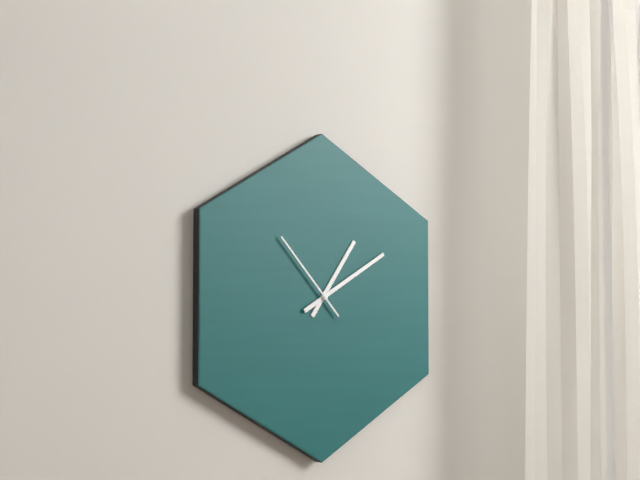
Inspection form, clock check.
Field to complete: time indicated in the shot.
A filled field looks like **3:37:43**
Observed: **1:10:53**
